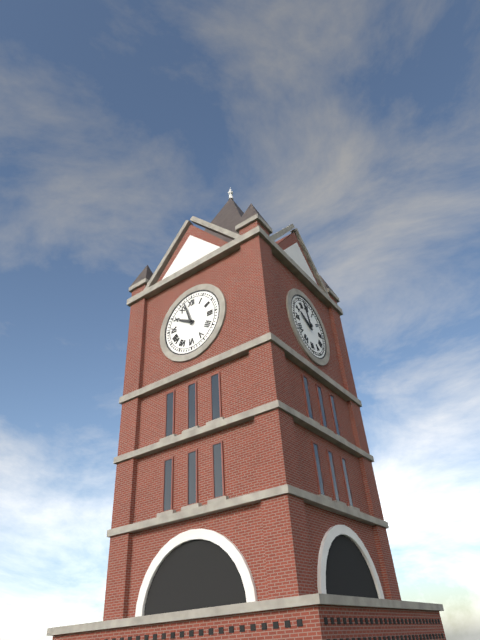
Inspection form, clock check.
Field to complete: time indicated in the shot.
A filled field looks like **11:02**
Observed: **9:57**
